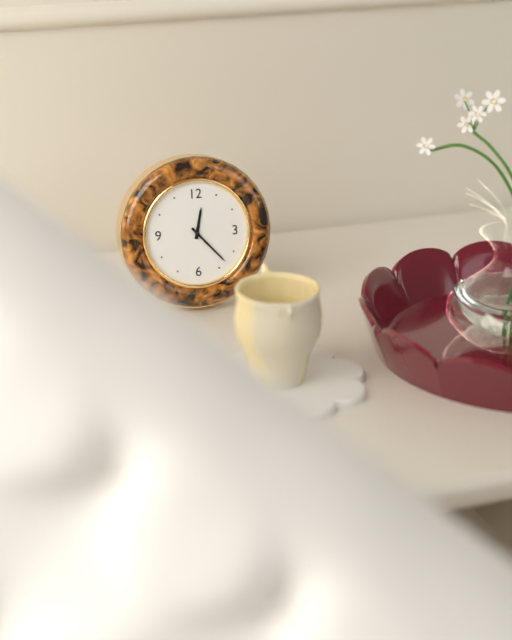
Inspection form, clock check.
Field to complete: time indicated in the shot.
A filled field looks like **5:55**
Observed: **12:23**
